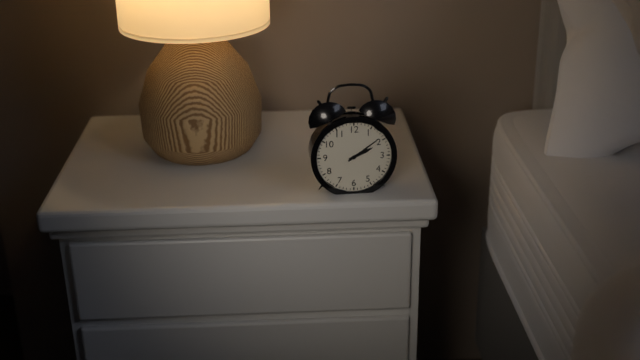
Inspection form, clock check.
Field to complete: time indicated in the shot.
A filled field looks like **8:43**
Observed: **2:09**
